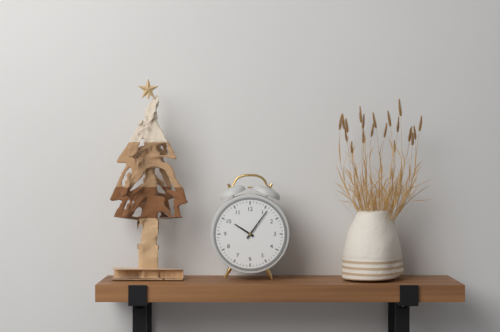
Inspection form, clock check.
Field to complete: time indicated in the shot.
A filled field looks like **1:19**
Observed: **10:06**
